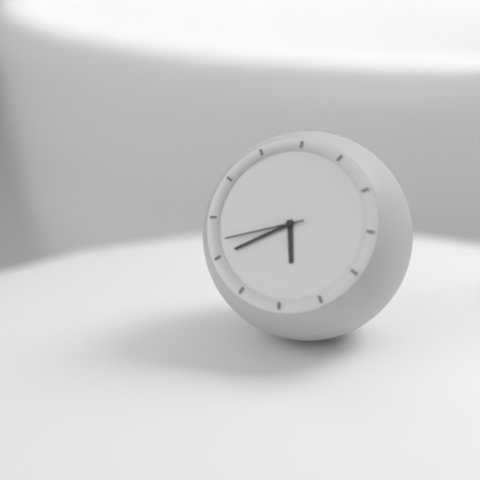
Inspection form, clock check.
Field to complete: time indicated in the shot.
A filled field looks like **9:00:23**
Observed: **5:40:42**
